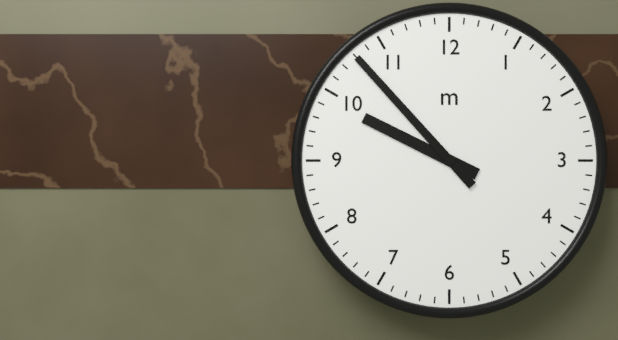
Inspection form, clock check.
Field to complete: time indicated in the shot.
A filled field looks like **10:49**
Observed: **9:53**
